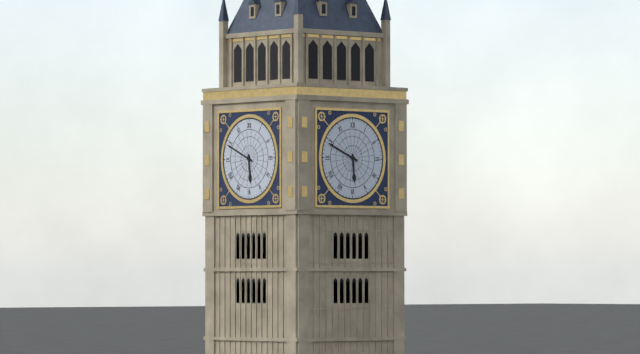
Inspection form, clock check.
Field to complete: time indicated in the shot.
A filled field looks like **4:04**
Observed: **5:49**
